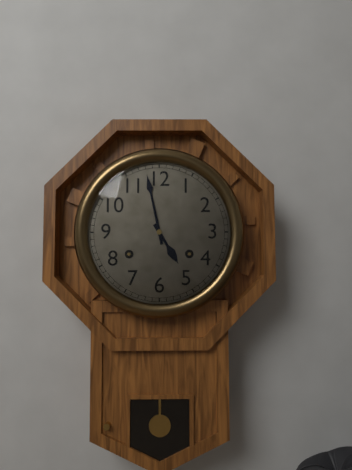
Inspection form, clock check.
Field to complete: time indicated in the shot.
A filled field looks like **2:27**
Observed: **4:58**
